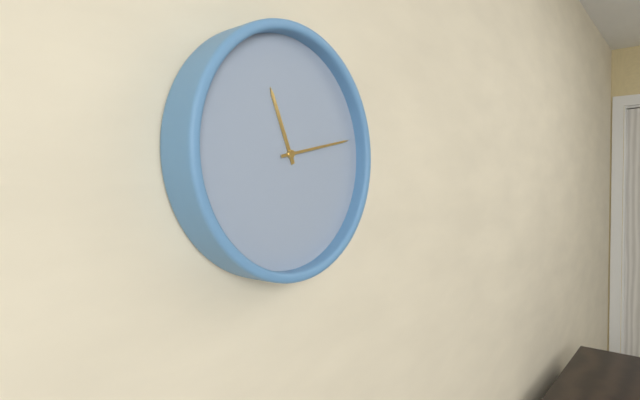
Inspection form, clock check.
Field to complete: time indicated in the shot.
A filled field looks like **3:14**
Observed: **11:13**
